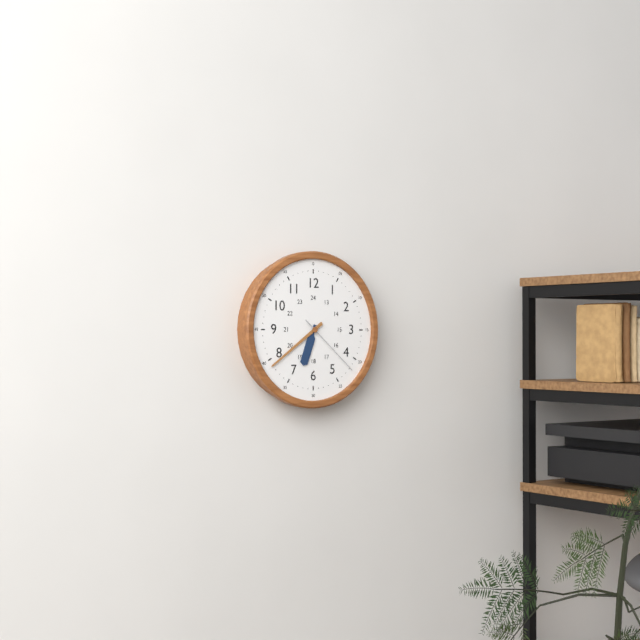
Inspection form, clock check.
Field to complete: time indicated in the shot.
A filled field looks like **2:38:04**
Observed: **6:39:22**
